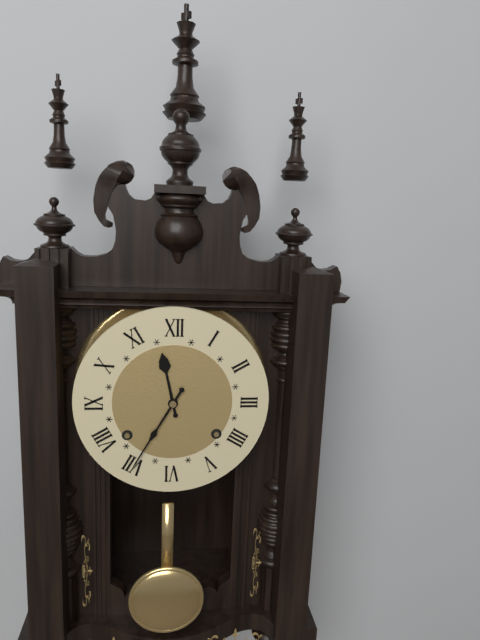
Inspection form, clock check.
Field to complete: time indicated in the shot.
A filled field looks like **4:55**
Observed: **11:35**
